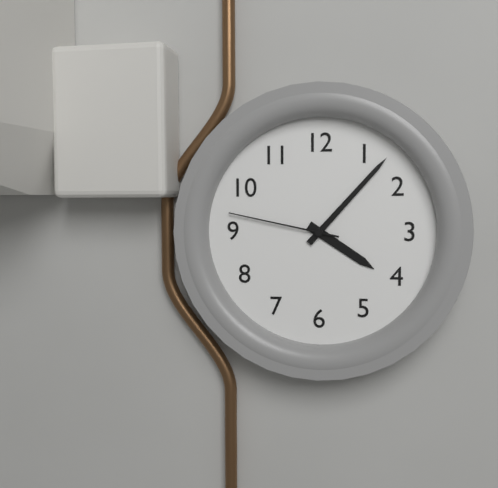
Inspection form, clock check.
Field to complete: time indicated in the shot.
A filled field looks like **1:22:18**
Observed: **4:07:47**
